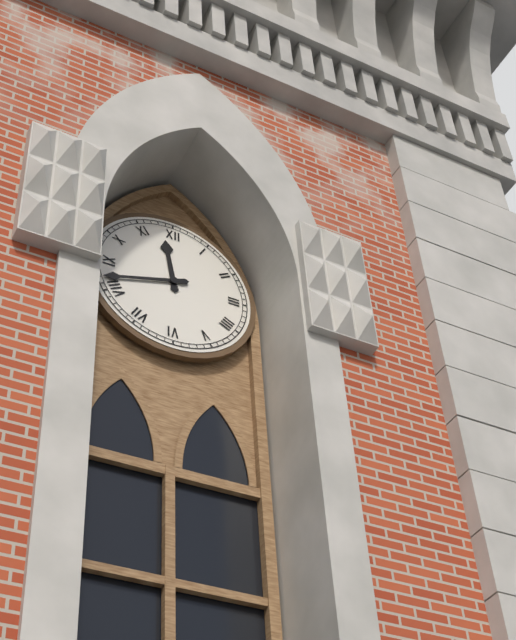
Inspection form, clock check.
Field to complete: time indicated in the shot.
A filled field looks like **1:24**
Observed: **11:42**
